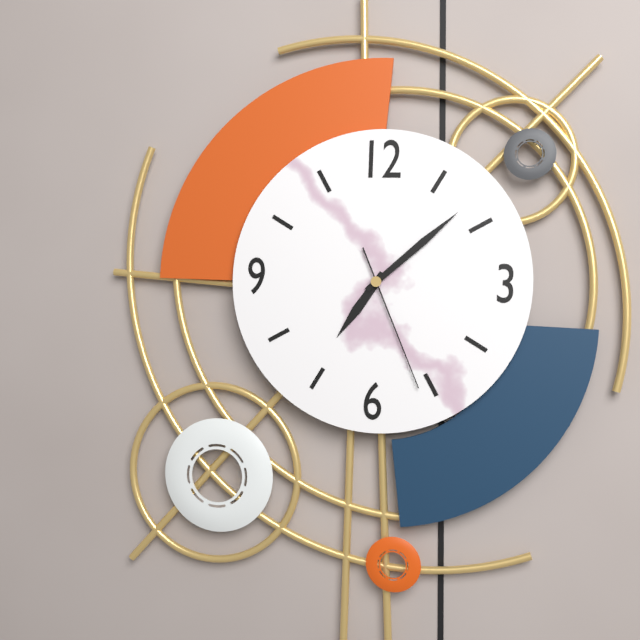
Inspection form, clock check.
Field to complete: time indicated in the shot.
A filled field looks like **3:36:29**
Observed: **7:08:26**
